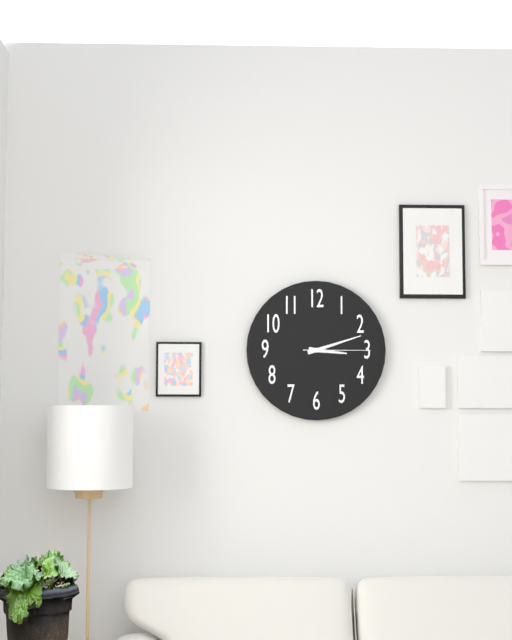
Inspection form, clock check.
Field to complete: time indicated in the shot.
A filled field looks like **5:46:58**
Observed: **3:12:15**
